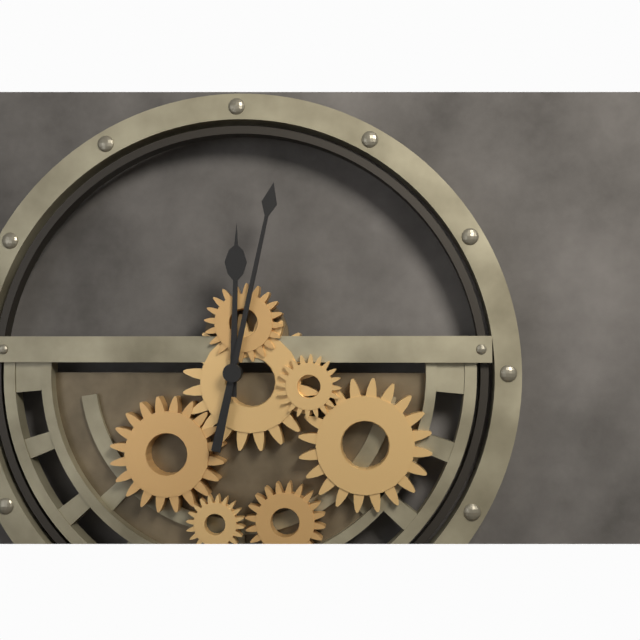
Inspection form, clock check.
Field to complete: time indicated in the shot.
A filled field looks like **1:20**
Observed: **12:02**
